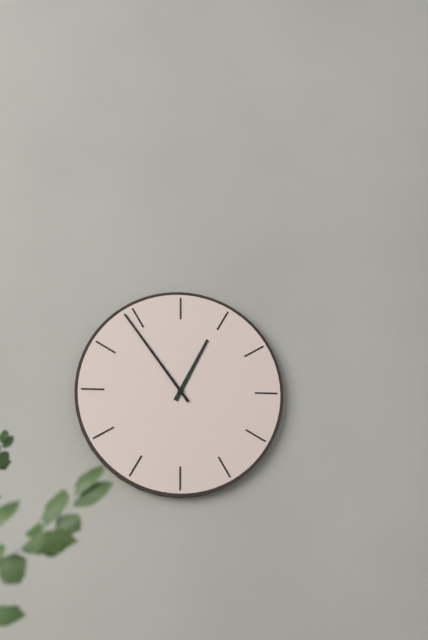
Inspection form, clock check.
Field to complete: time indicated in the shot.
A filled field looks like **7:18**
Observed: **12:54**
